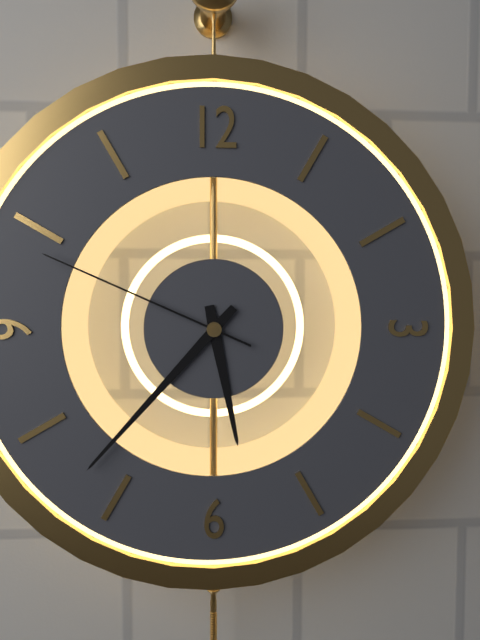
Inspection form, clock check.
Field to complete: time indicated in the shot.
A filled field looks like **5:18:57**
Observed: **5:37:49**
